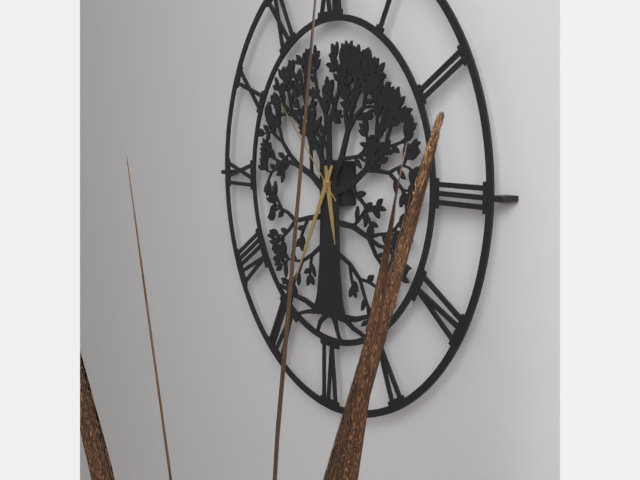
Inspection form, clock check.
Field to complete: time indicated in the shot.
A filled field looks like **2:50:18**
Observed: **5:35:52**
